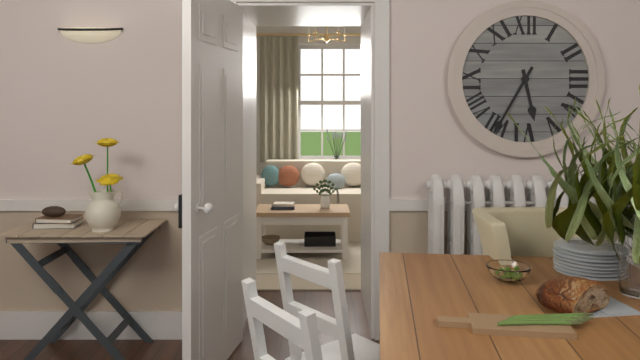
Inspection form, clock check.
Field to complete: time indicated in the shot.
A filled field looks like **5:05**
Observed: **5:35**
